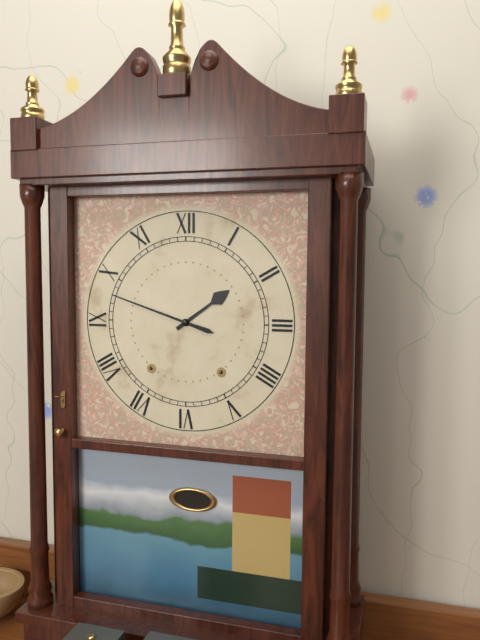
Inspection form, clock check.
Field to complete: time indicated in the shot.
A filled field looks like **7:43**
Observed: **1:48**
